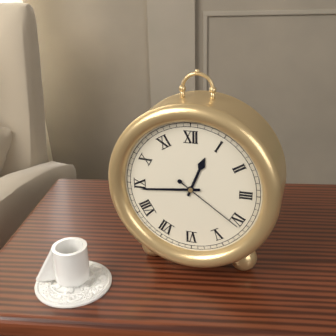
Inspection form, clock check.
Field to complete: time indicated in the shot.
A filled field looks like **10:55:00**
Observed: **12:44:21**
